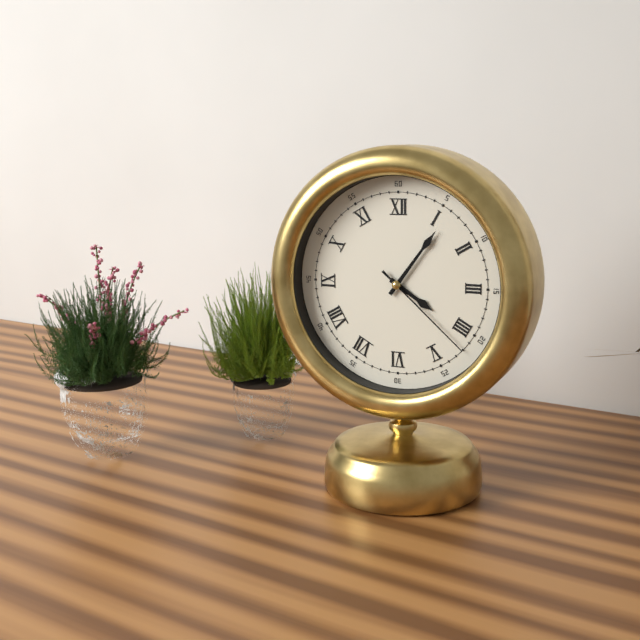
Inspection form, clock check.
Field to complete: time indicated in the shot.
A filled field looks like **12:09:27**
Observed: **4:06:22**
